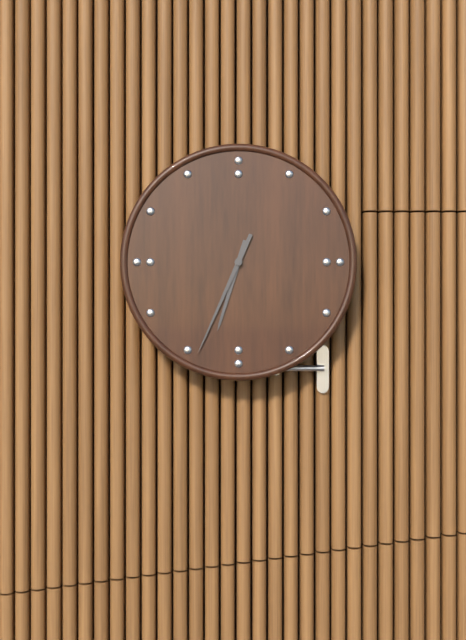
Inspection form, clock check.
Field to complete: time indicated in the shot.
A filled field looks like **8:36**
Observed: **6:34**
